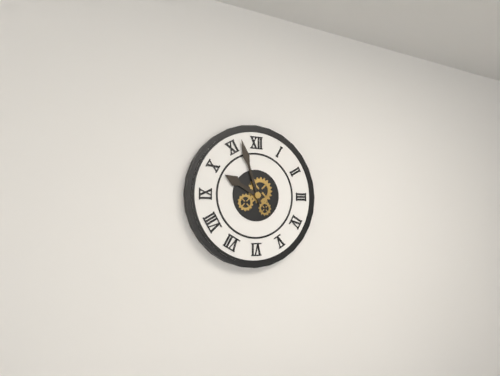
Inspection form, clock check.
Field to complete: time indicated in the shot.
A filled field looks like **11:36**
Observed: **9:57**
